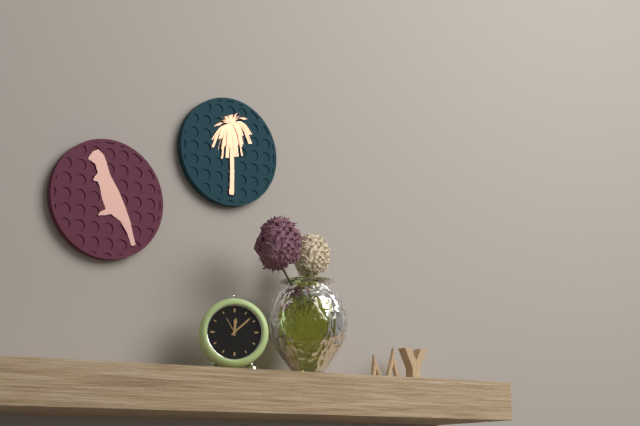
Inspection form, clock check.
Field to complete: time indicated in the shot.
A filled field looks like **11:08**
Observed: **12:08**
